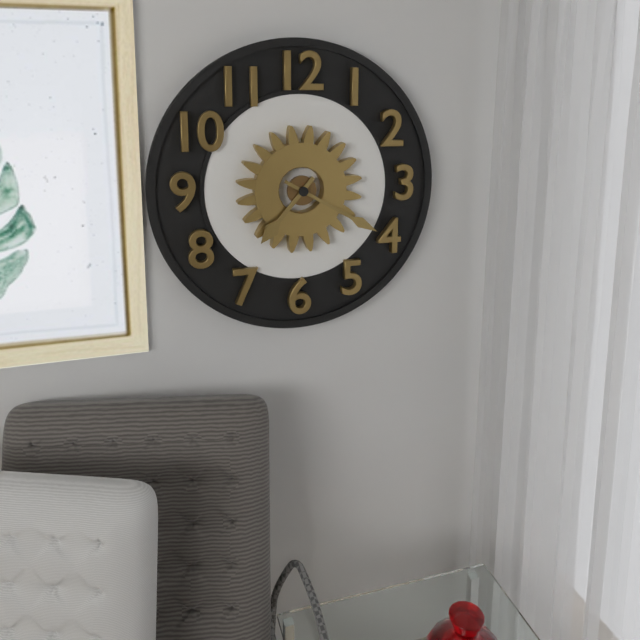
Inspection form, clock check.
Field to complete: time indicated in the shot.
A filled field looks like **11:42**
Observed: **7:20**
